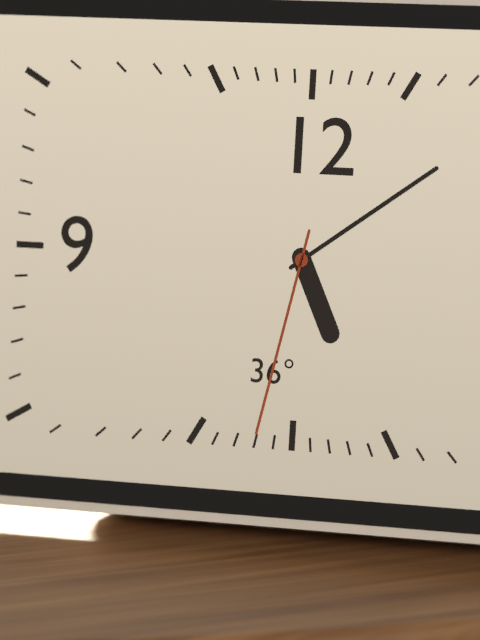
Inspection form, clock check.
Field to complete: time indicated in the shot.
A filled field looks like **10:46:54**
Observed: **5:09:32**
